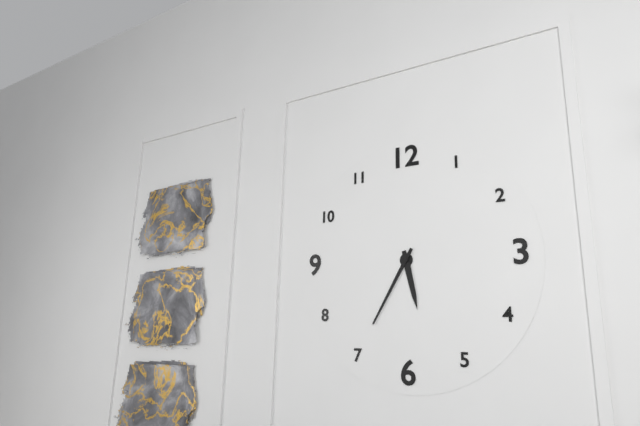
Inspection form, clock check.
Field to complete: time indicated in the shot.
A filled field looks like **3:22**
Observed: **5:35**
